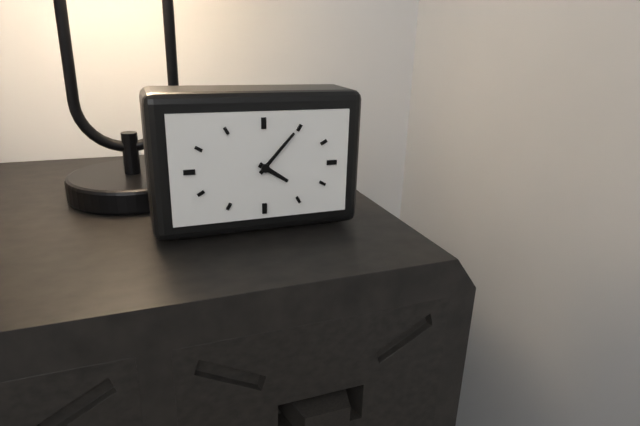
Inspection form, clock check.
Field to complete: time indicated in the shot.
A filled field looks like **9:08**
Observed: **4:07**
